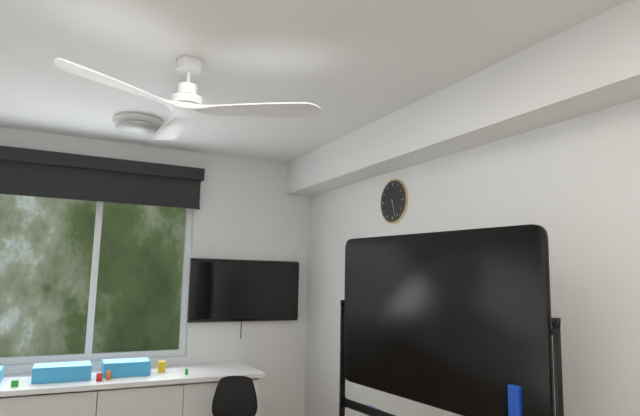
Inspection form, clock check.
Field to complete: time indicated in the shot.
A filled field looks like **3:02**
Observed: **5:27**
